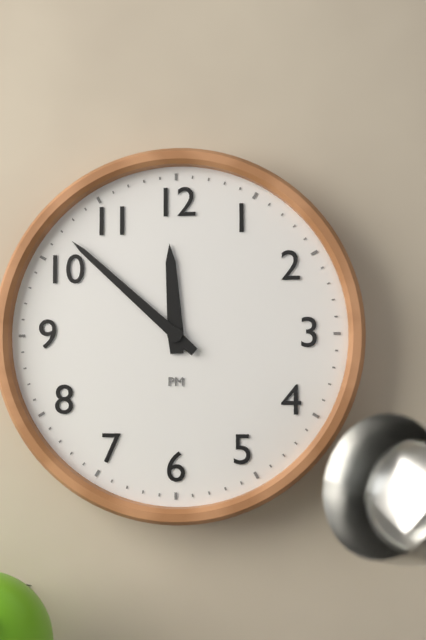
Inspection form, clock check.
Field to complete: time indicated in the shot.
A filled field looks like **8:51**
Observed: **11:52**
